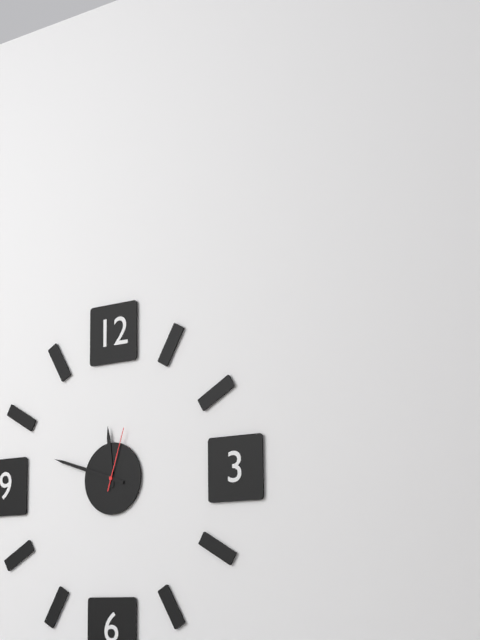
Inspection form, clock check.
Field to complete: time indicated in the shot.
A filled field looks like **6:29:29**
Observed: **11:48:03**
